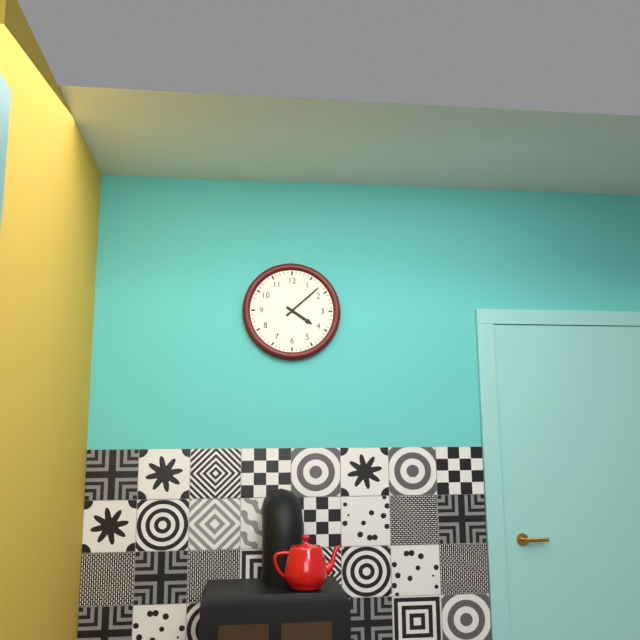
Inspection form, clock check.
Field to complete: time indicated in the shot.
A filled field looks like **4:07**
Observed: **4:08**
